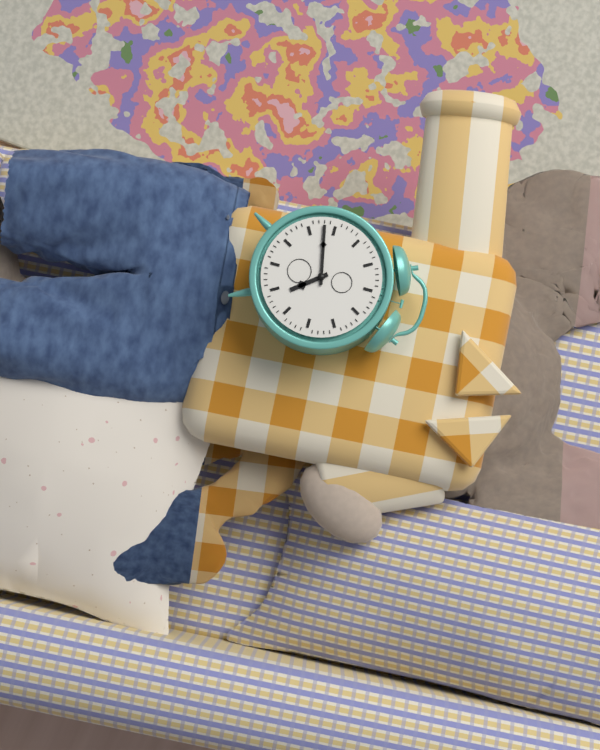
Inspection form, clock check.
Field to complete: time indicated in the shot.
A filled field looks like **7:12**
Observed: **4:43**
